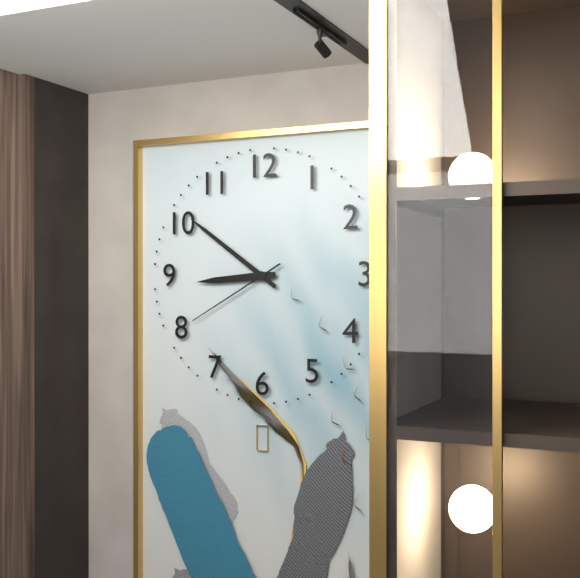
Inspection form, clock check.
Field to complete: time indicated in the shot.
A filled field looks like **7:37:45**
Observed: **8:51:40**
